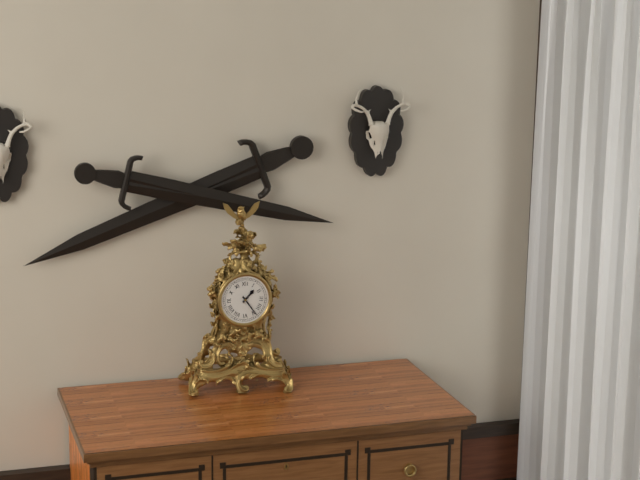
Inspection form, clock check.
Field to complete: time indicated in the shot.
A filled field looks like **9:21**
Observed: **1:24**
